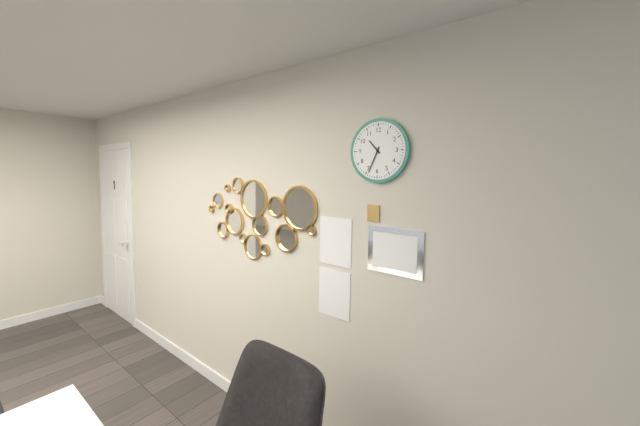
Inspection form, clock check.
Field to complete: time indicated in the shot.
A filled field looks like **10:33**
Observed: **10:34**
